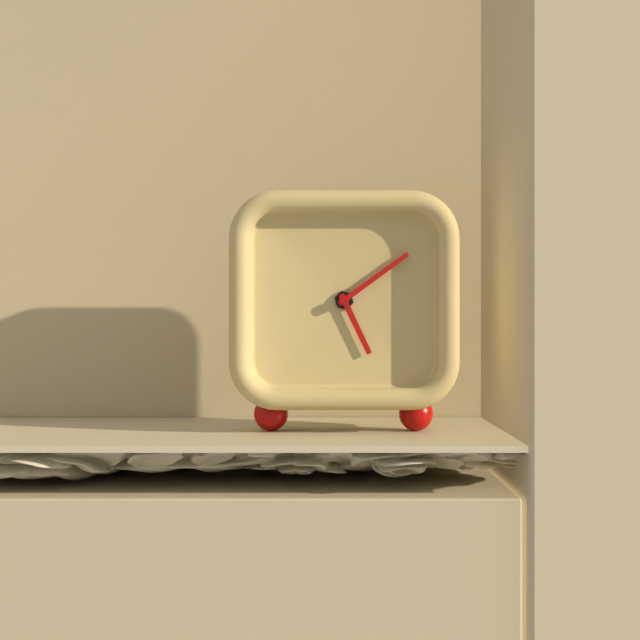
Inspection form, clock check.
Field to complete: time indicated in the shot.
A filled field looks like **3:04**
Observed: **5:09**
